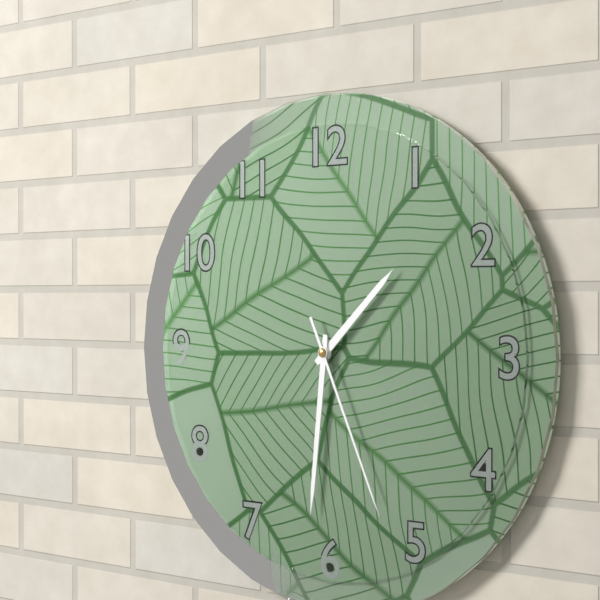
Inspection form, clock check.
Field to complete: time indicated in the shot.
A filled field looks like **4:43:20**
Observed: **1:31:26**
